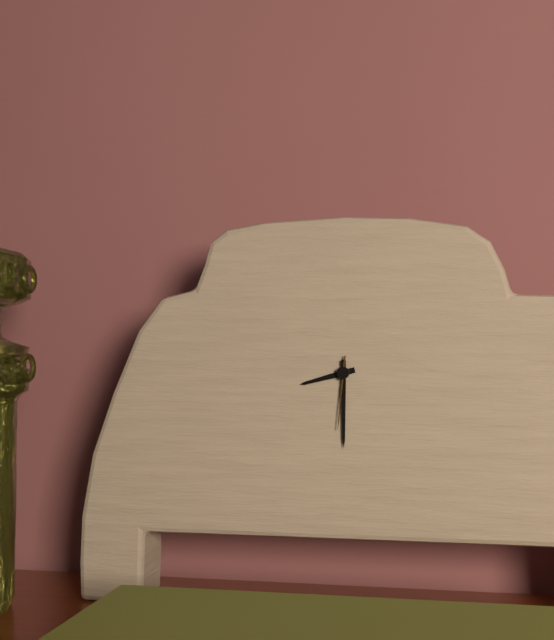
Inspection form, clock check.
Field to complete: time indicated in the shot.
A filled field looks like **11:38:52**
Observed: **8:30:31**
